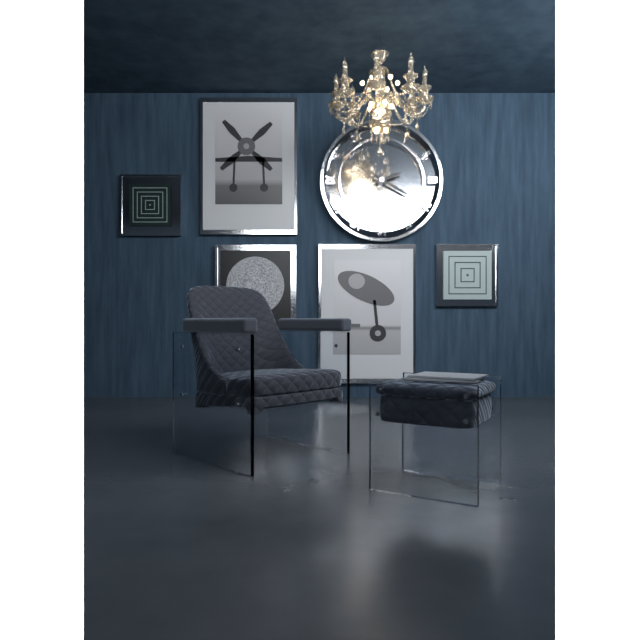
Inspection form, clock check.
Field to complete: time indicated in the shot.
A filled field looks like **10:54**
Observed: **2:20**
